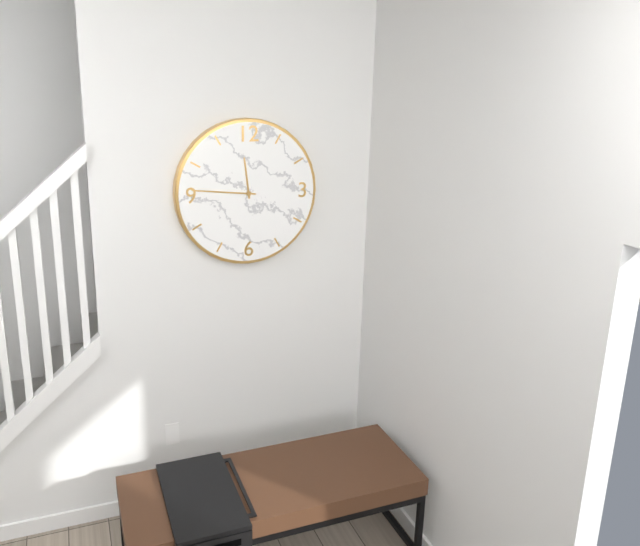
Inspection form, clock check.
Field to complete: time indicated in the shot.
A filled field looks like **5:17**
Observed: **11:46**
